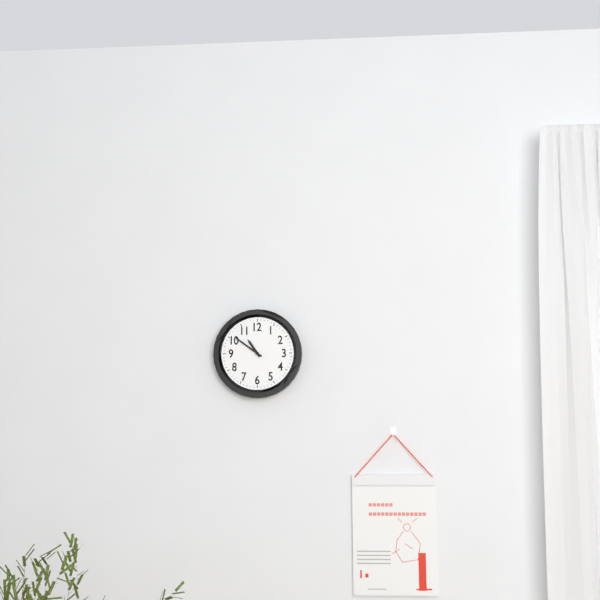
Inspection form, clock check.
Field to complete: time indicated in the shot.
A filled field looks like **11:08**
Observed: **10:51**
